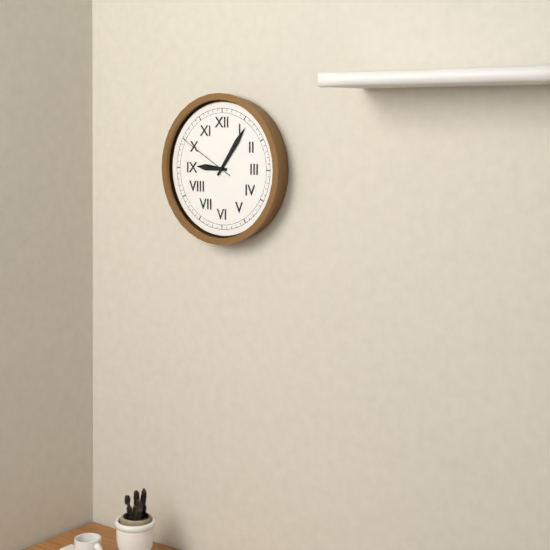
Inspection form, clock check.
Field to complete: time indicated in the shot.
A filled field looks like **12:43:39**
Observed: **9:06:50**
